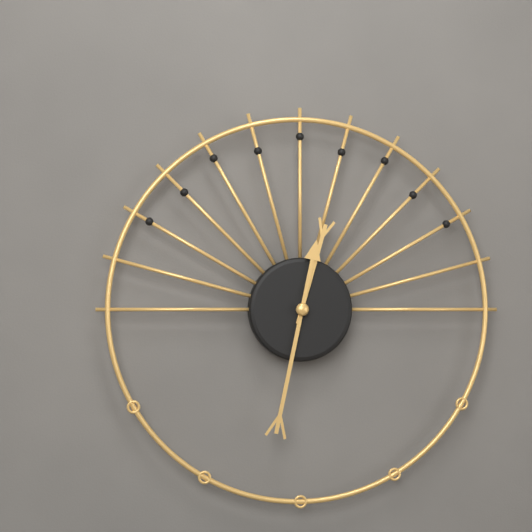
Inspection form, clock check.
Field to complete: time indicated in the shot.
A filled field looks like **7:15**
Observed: **12:32**
